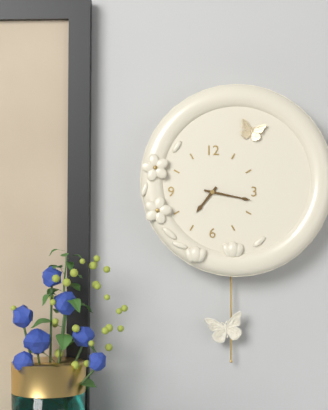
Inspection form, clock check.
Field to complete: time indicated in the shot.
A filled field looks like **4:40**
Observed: **7:17**
